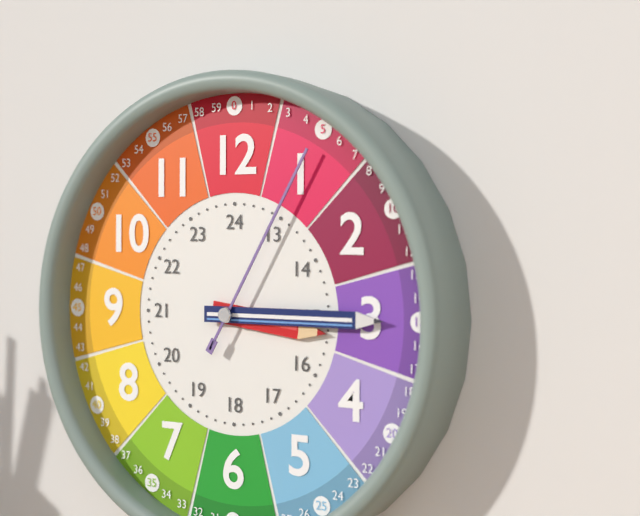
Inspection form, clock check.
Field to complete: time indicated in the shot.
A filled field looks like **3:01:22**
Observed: **3:15:05**
